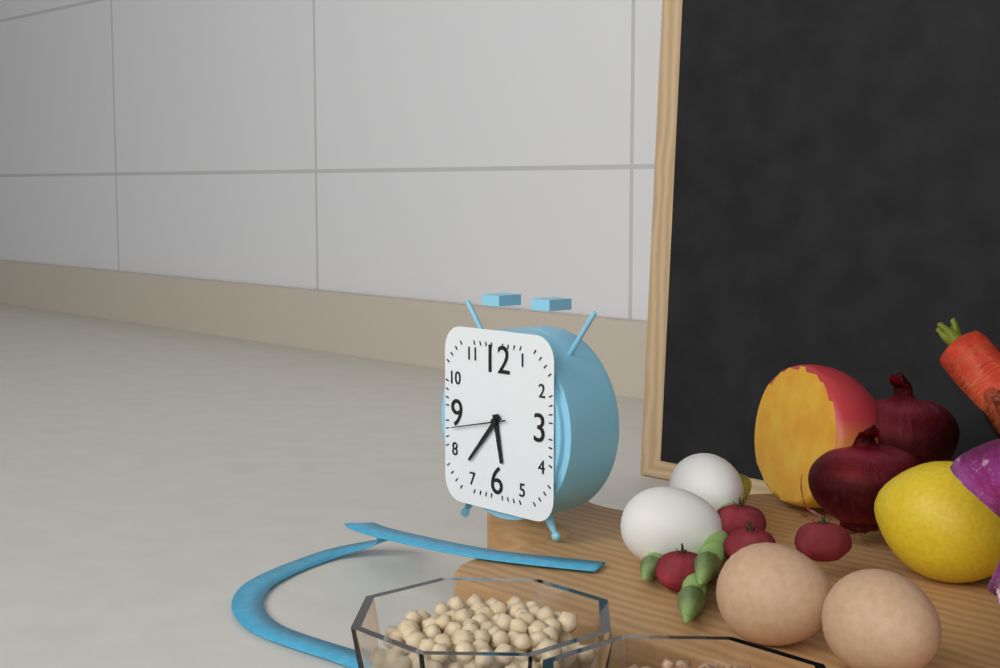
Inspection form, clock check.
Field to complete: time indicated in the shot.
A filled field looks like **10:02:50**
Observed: **5:37:43**
